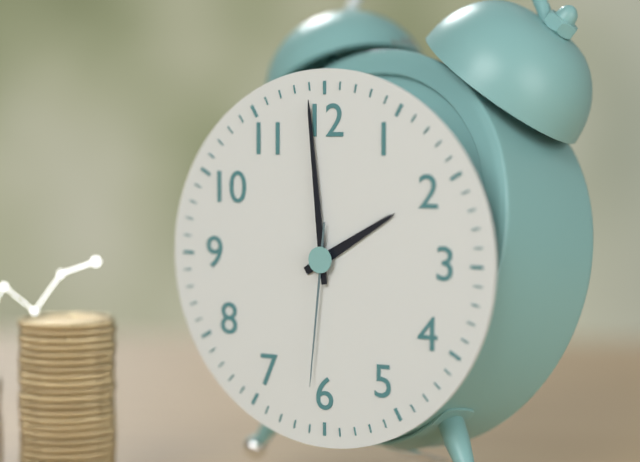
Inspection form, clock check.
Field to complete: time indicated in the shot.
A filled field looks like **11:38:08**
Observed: **1:59:31**
